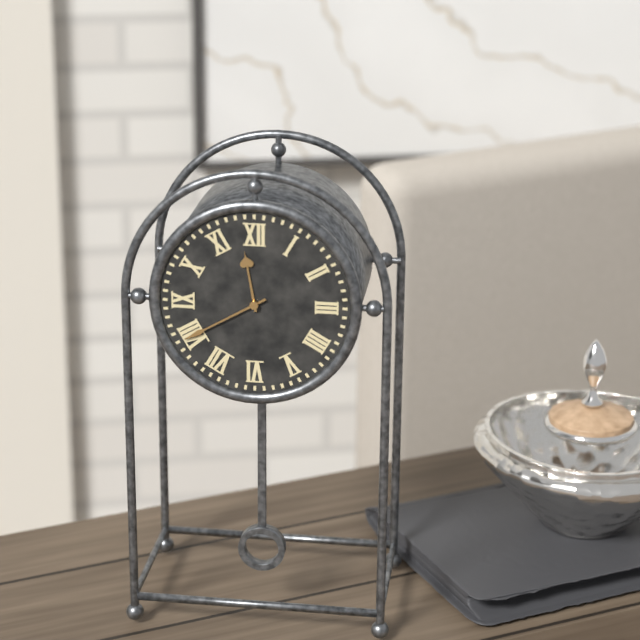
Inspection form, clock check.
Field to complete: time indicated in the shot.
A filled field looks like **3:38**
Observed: **11:40**
